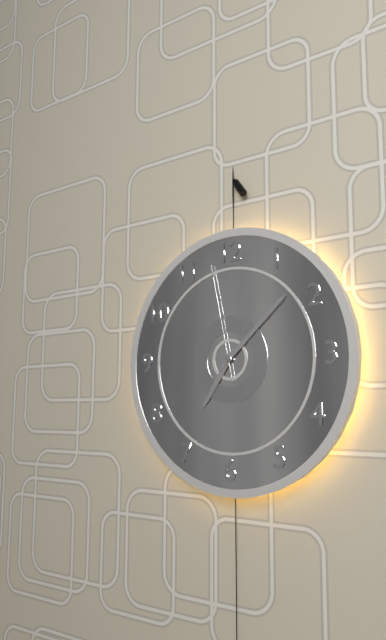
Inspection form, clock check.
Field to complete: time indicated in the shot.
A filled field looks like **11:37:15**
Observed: **7:08:58**
